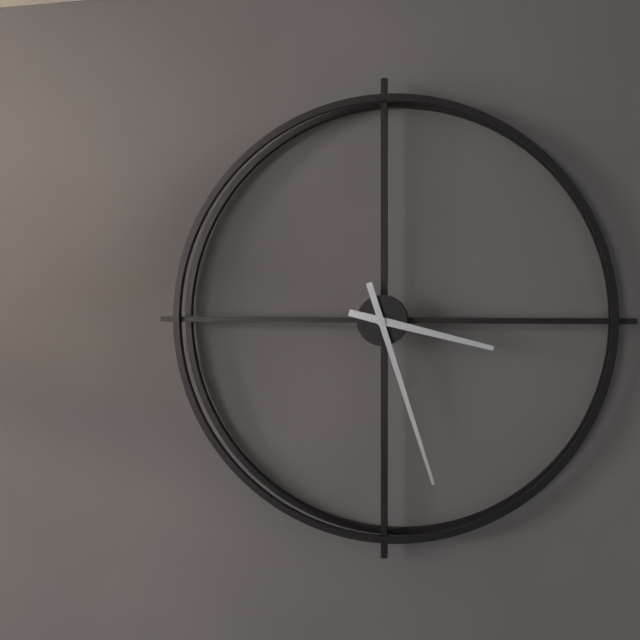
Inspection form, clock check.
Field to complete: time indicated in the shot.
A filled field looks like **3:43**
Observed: **3:27**
